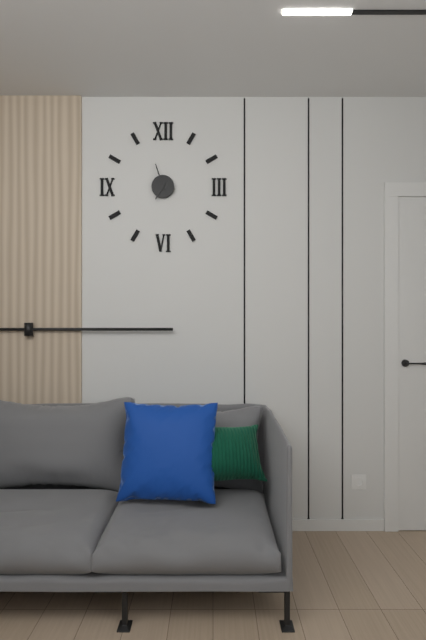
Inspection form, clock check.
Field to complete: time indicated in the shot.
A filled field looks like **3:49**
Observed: **6:57**
